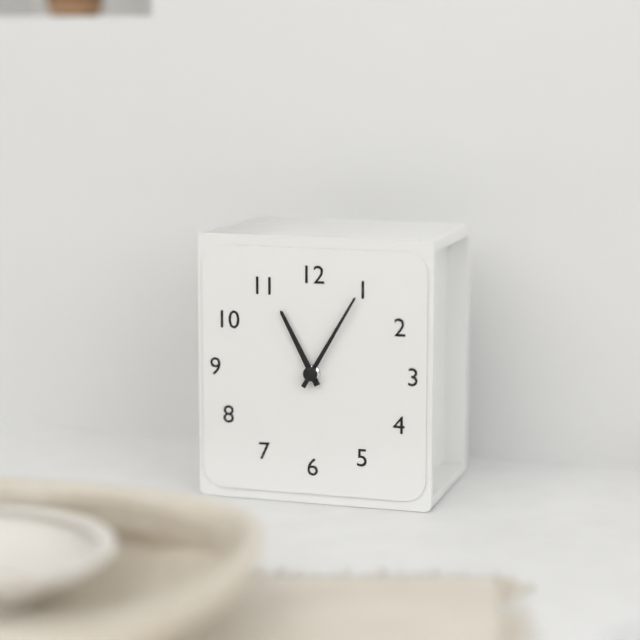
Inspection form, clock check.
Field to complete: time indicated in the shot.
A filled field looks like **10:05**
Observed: **11:05**
